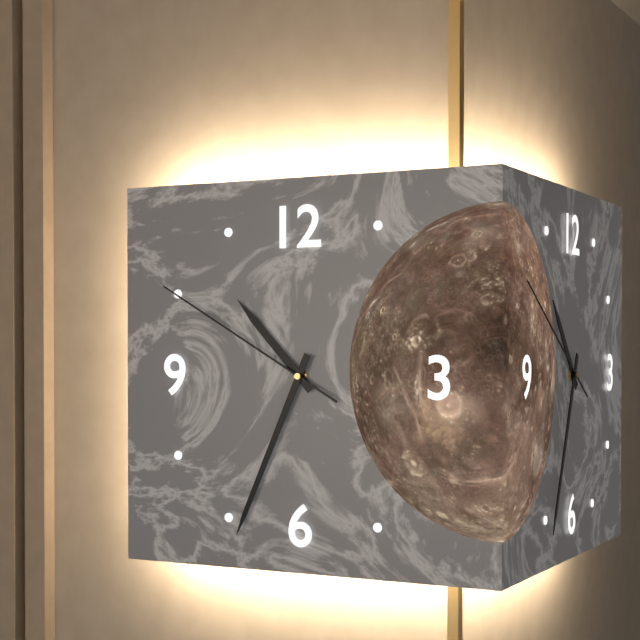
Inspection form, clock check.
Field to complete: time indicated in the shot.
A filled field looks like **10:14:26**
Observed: **10:34:50**
